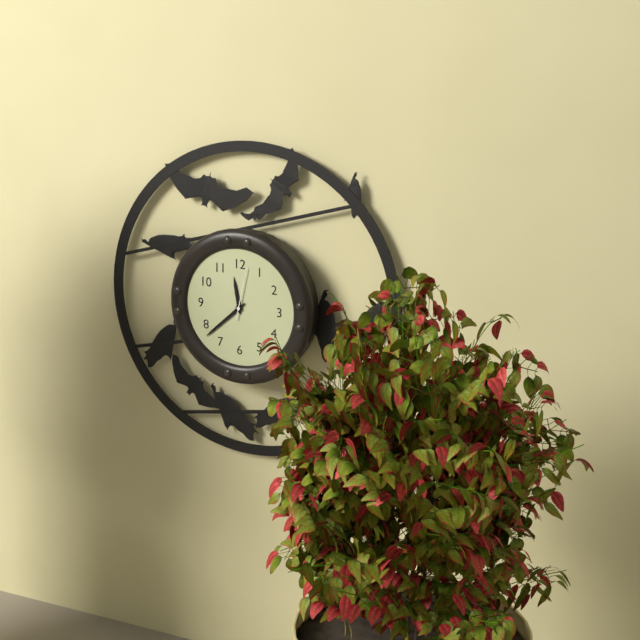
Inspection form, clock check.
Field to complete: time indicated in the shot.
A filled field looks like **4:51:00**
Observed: **11:38:02**
